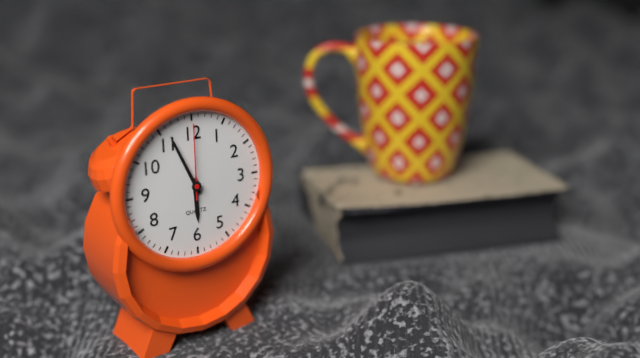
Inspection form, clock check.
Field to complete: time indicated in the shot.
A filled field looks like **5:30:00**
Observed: **5:56:00**
